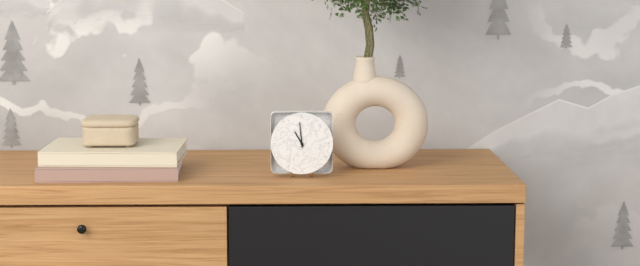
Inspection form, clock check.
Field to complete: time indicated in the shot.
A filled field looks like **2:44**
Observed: **10:59**
